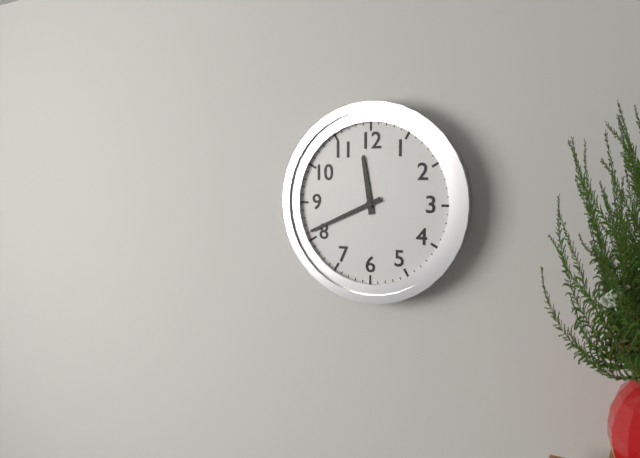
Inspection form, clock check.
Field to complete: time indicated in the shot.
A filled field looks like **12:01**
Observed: **11:41**
